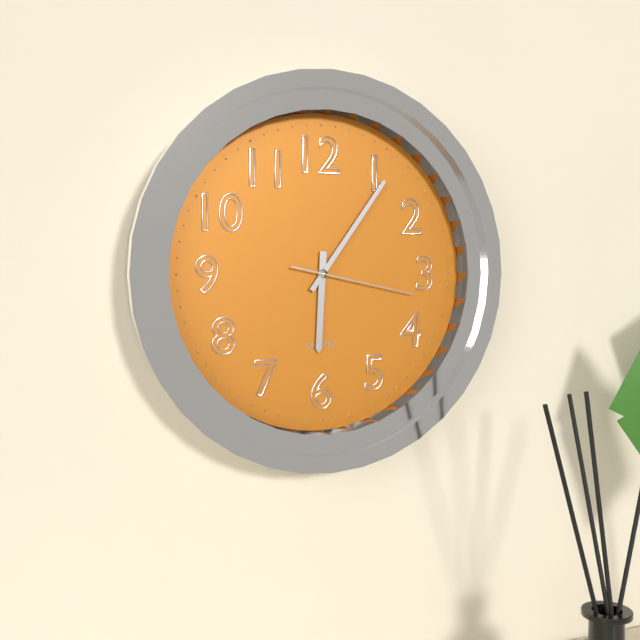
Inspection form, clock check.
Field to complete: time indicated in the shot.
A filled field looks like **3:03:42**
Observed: **6:06:17**
